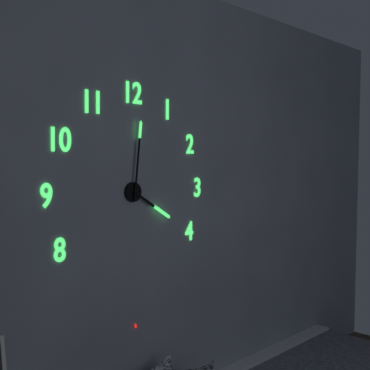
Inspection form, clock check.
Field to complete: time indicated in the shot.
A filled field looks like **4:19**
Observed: **4:01**
